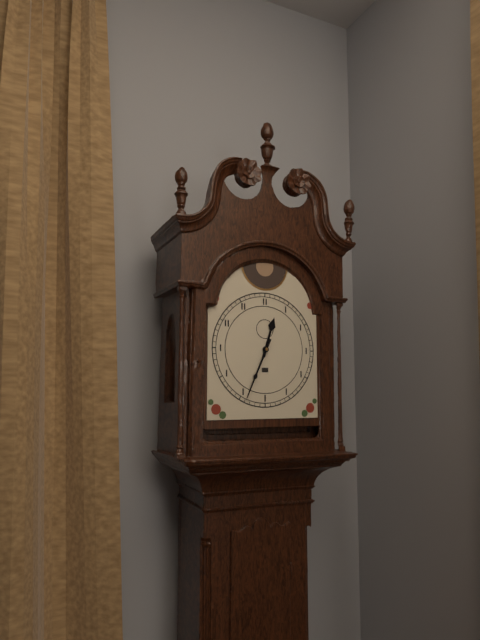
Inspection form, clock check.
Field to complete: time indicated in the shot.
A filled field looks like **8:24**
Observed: **12:34**
